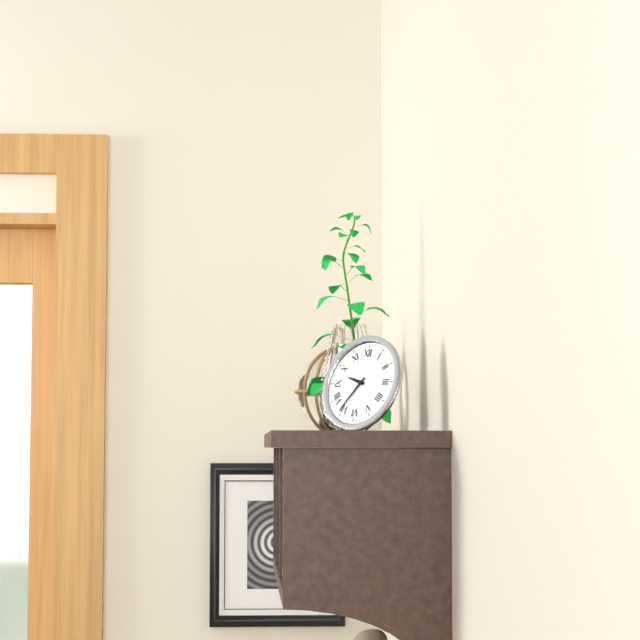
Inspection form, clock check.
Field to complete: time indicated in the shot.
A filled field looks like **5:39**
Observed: **9:36**
